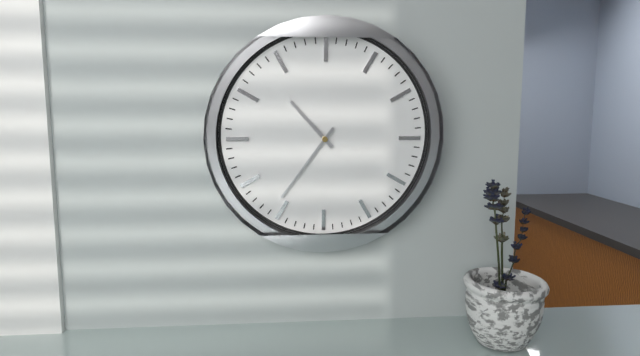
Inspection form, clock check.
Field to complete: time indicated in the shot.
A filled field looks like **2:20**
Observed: **10:36**
